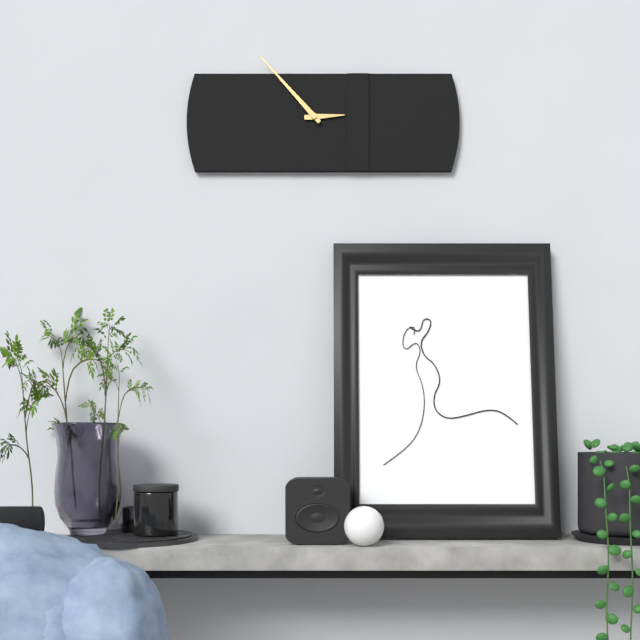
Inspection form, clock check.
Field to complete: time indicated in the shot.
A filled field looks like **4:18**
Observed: **2:53**
